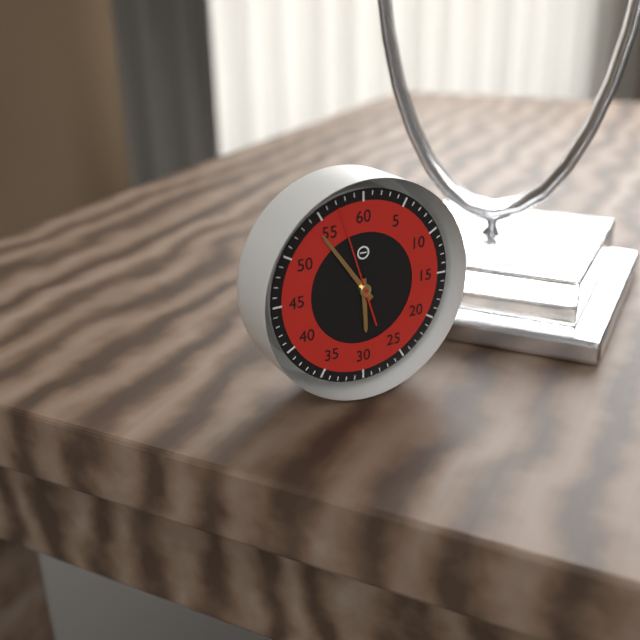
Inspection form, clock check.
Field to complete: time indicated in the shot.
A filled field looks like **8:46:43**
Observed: **5:54:57**
